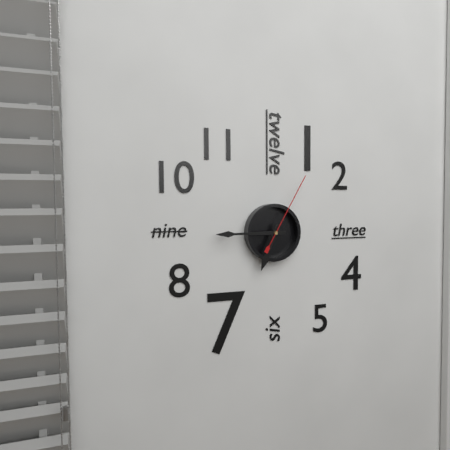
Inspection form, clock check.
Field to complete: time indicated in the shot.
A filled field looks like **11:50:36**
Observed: **6:45:05**
